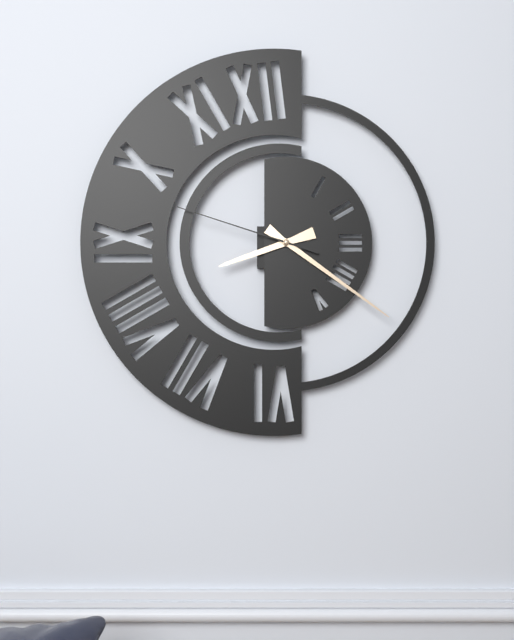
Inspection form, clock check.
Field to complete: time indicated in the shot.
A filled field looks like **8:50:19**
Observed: **8:21:48**
